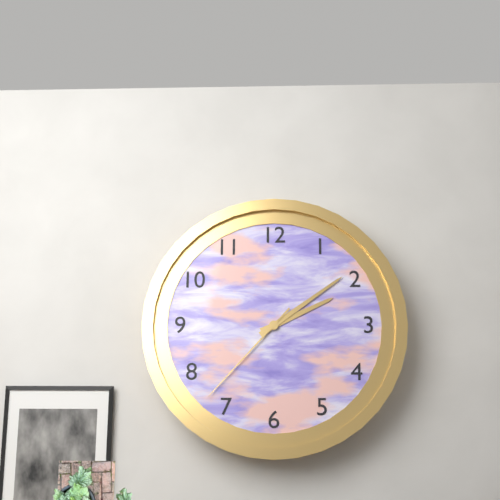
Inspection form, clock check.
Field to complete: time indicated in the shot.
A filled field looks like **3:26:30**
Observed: **2:09:37**
